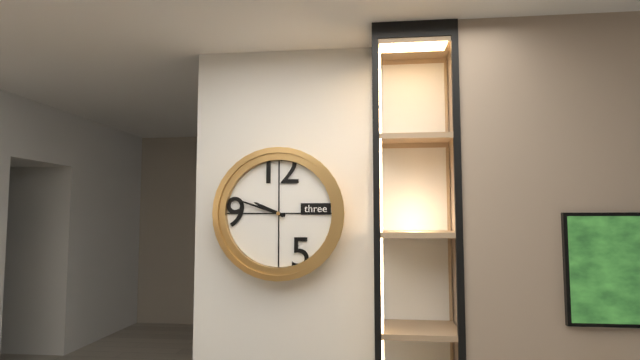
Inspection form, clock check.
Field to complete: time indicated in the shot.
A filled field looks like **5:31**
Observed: **9:48**
